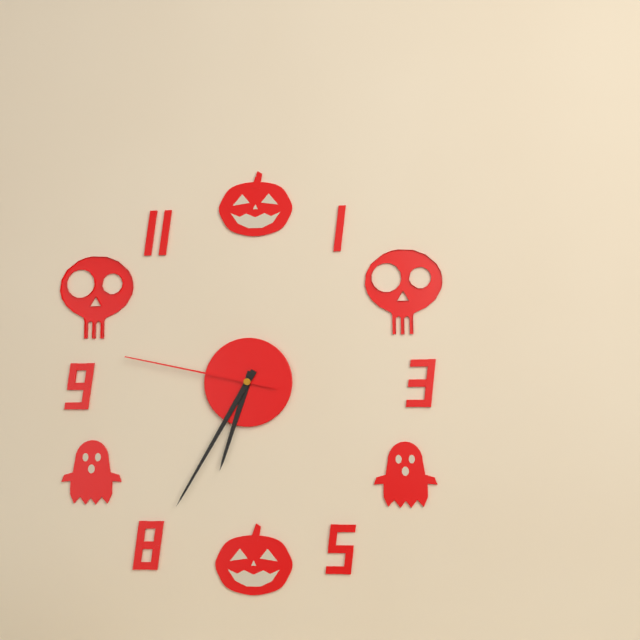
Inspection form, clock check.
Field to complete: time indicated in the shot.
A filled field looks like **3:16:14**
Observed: **6:35:47**
